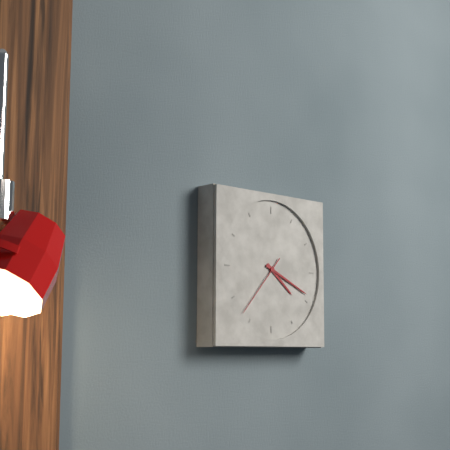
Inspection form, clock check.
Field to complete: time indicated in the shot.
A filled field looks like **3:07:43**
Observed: **4:19:37**
